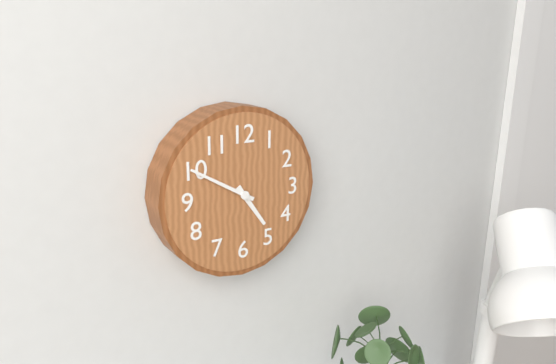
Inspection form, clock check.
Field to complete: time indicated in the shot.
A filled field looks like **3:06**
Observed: **4:50**
